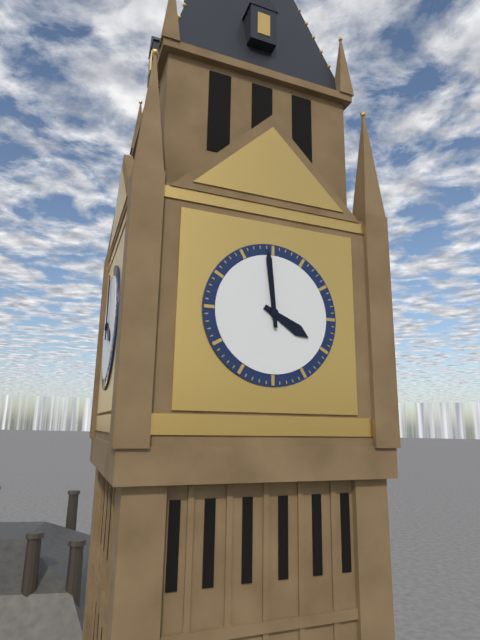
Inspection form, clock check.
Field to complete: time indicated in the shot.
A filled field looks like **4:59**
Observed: **3:59**
